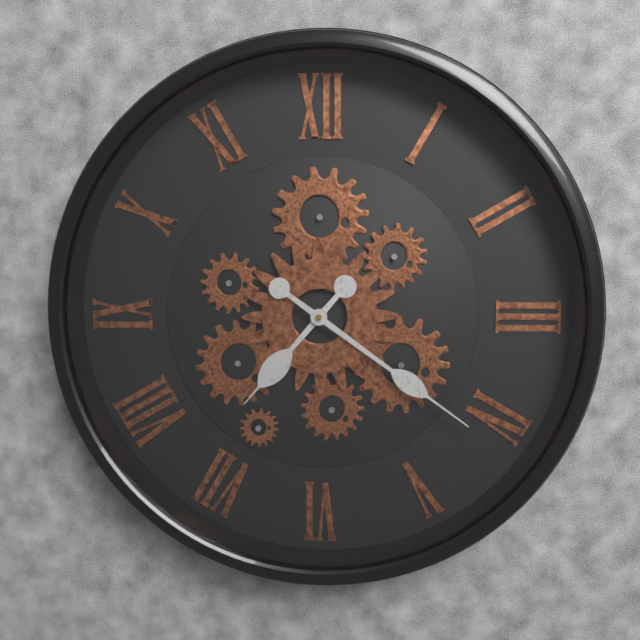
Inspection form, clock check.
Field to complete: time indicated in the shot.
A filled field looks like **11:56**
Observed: **7:21**
